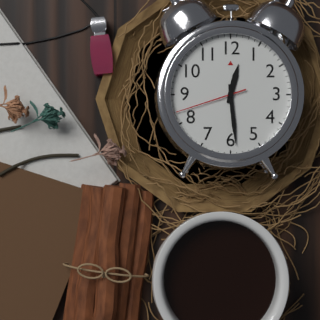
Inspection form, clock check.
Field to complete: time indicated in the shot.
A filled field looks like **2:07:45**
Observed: **12:29:42**
